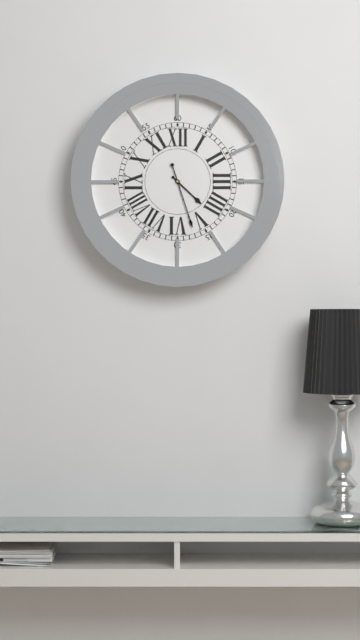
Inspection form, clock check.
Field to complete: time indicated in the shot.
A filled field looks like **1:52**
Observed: **4:27**
